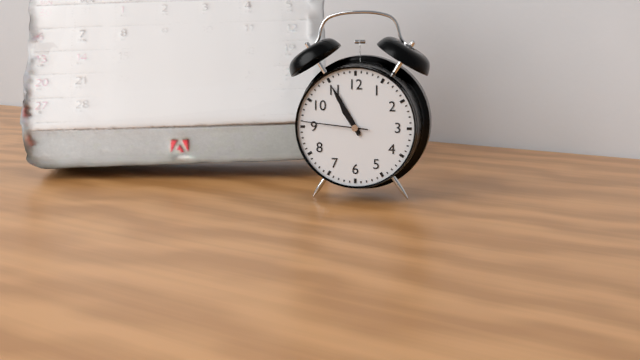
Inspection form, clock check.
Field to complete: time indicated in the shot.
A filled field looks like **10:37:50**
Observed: **10:55:46**
